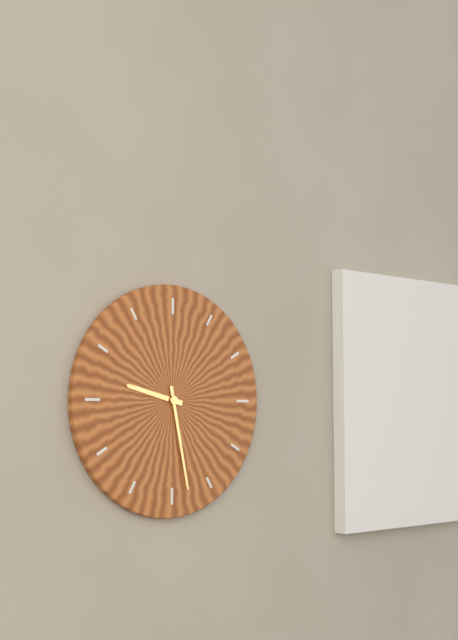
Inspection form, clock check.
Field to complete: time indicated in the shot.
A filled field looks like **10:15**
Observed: **9:28**
